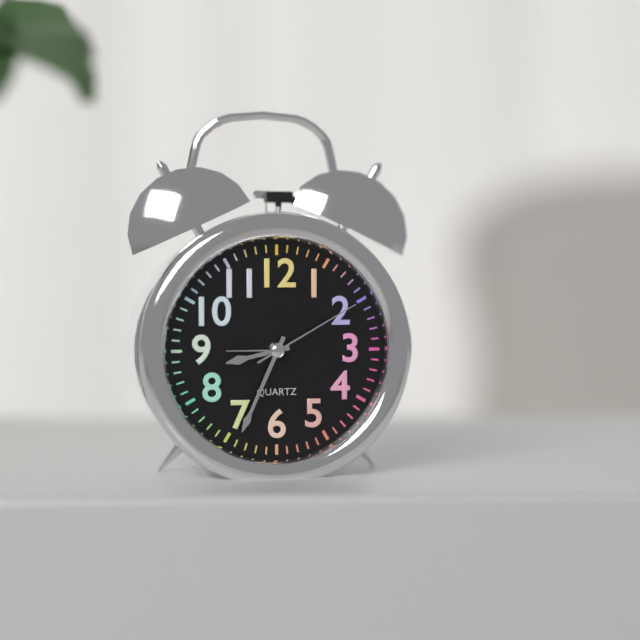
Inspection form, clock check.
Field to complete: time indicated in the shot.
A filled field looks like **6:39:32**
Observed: **8:34:10**
